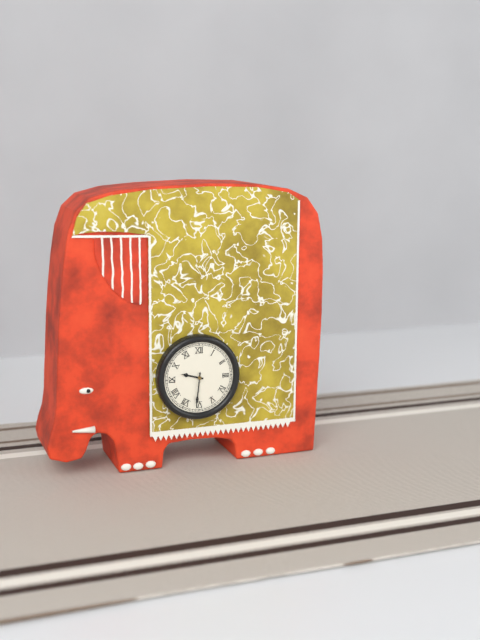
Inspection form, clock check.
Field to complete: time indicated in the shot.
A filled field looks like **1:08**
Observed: **9:31**
